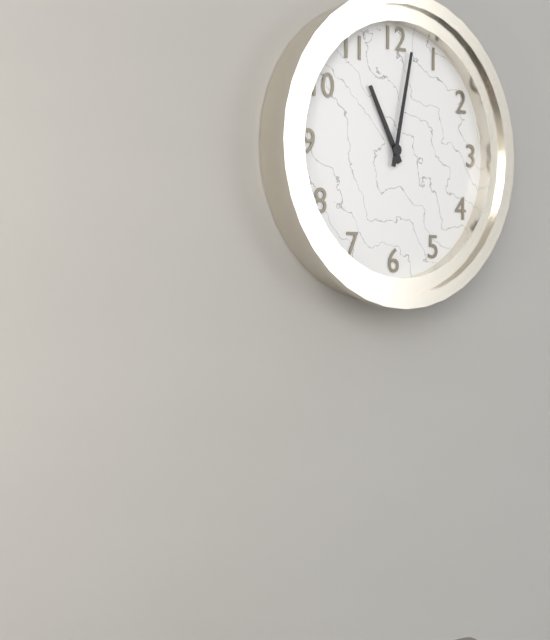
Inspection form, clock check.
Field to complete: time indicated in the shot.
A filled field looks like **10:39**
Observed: **11:02**
